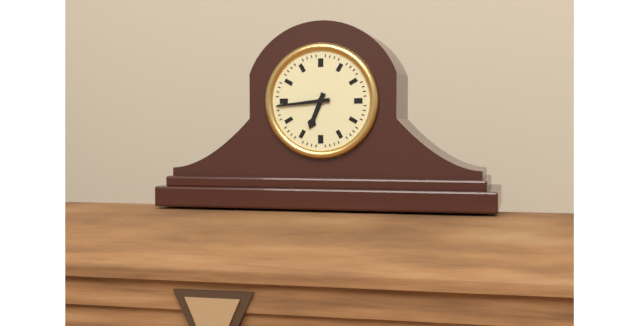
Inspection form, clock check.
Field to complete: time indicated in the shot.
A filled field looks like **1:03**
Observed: **6:44**
